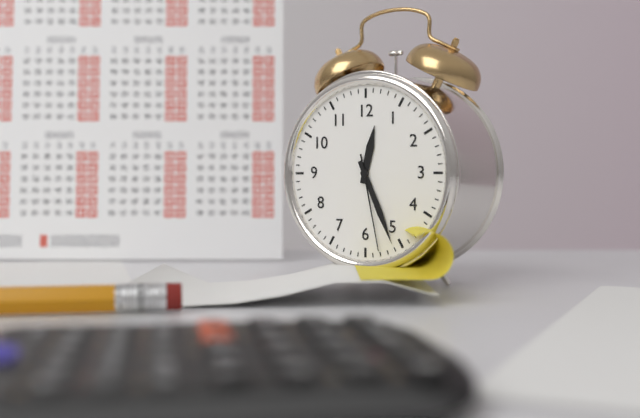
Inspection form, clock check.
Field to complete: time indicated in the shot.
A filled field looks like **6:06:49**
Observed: **12:26:28**
